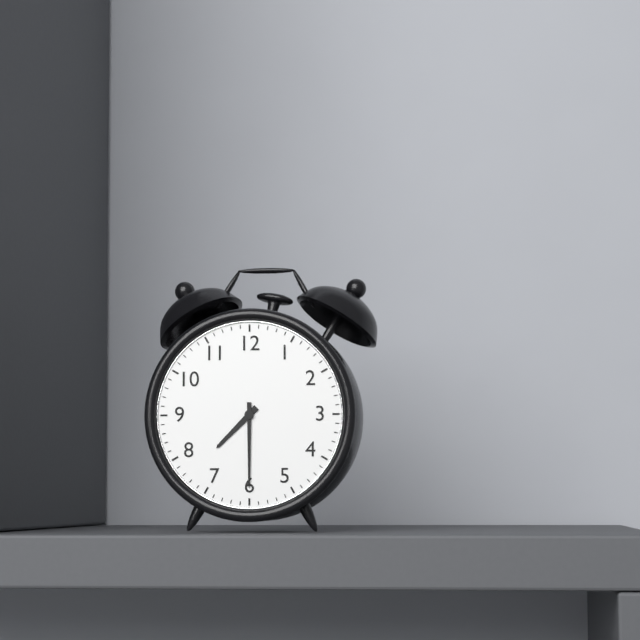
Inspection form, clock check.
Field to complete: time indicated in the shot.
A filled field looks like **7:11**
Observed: **7:30**
